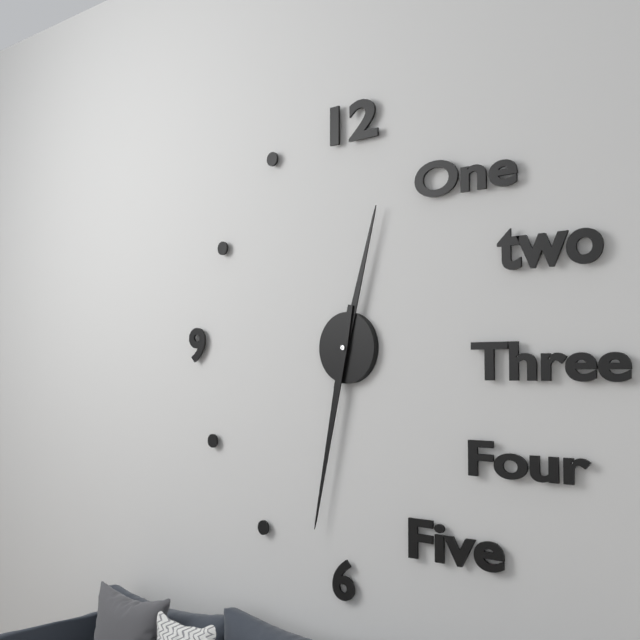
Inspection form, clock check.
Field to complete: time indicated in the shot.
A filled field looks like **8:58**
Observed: **12:32**
